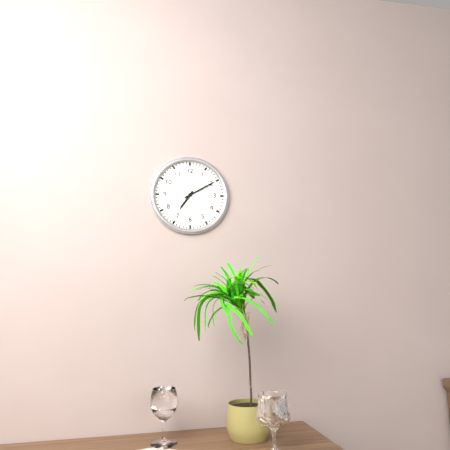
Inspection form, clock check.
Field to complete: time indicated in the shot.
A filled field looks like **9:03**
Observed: **7:10**
